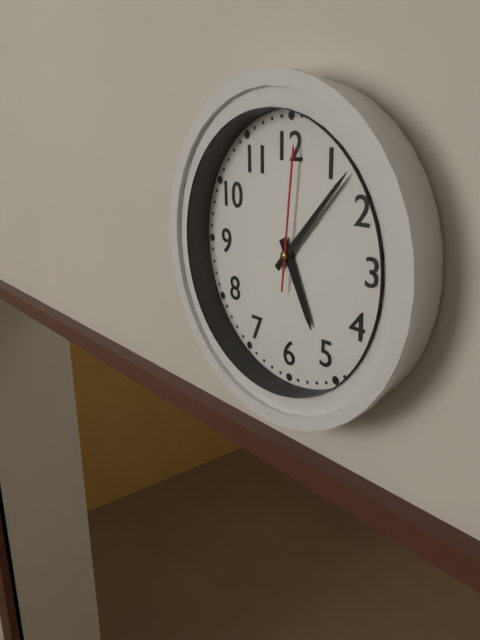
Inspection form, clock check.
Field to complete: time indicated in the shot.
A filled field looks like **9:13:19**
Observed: **5:07:01**
